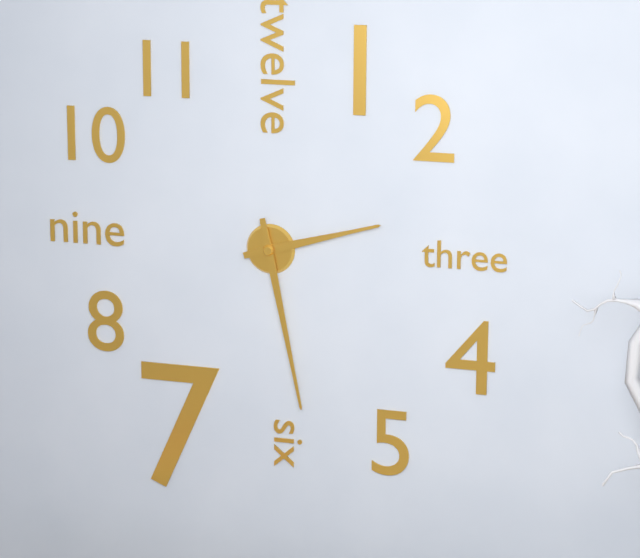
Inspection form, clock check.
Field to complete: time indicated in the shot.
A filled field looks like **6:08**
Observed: **2:28**
